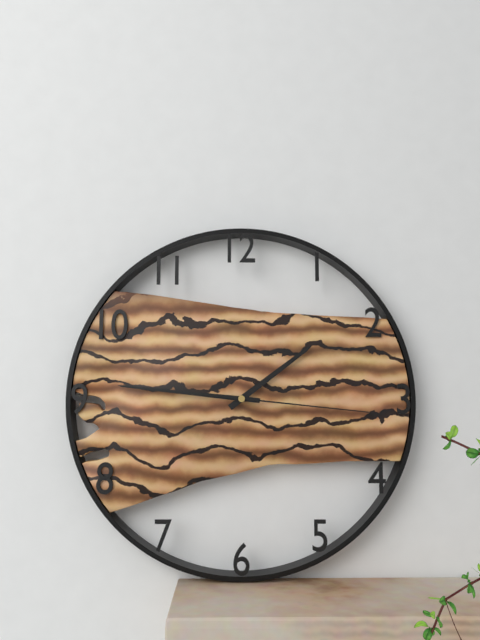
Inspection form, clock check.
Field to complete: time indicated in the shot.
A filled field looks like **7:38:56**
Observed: **1:46:16**
